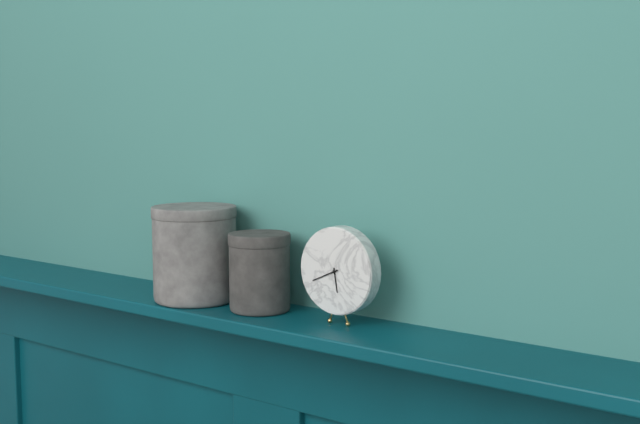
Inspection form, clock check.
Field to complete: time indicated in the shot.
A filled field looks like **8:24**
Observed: **5:41**
